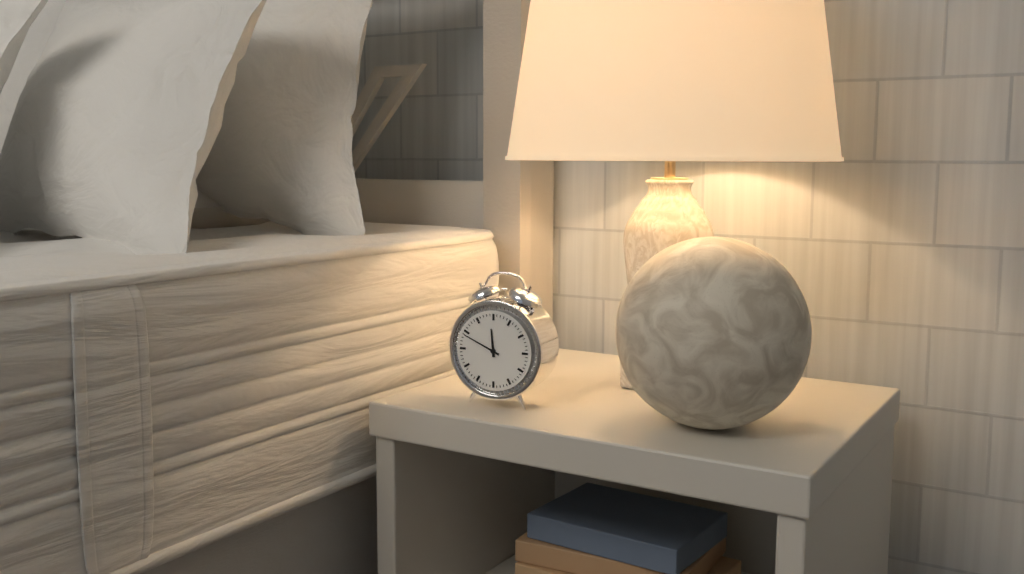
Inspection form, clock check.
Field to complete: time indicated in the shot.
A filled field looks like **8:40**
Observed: **11:49**
